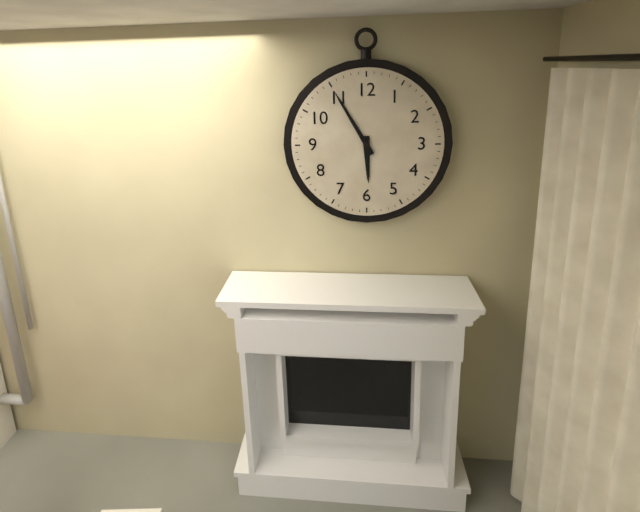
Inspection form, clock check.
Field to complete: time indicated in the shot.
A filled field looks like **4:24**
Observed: **5:55**
